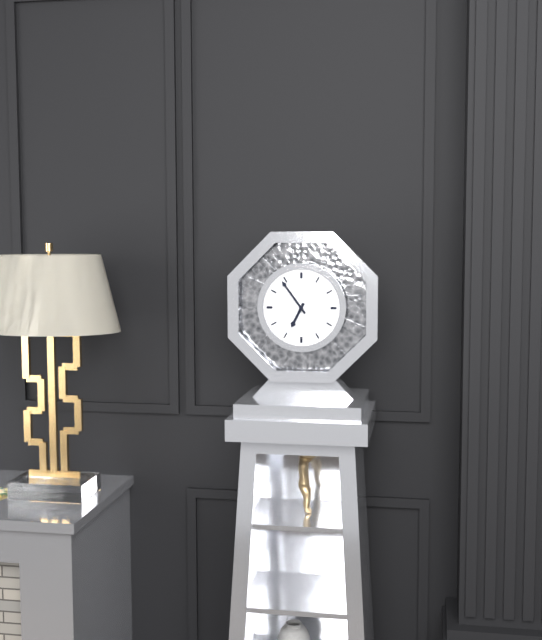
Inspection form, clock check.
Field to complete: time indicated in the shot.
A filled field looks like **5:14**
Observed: **6:54**
